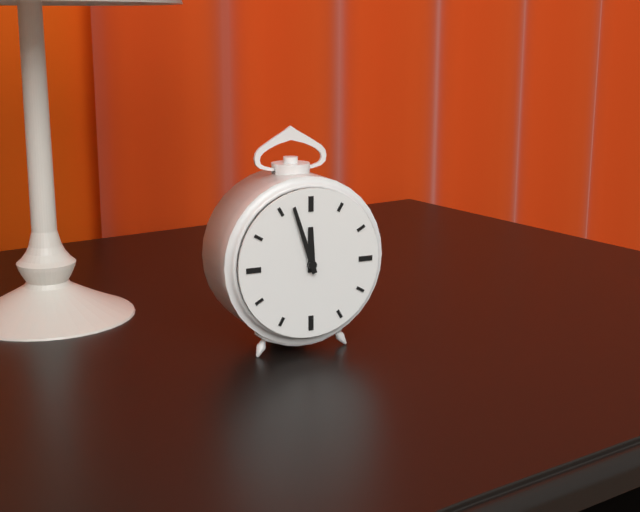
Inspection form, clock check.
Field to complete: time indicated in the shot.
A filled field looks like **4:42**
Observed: **11:57**
